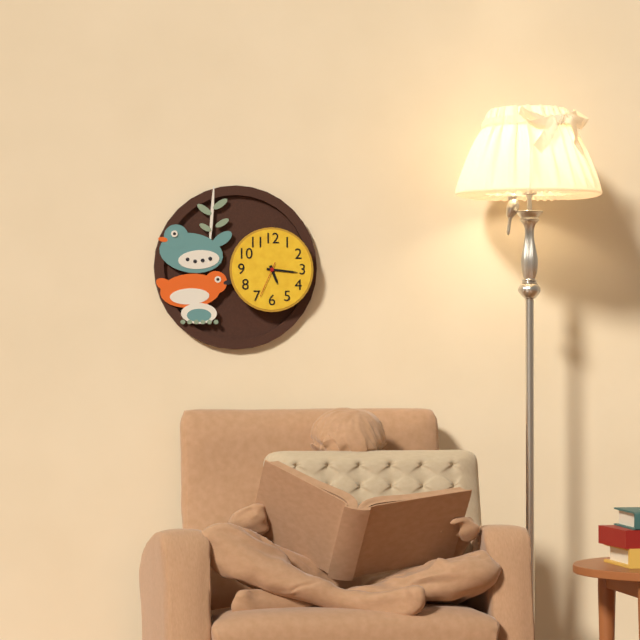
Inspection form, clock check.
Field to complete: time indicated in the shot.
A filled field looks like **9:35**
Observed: **5:16**
